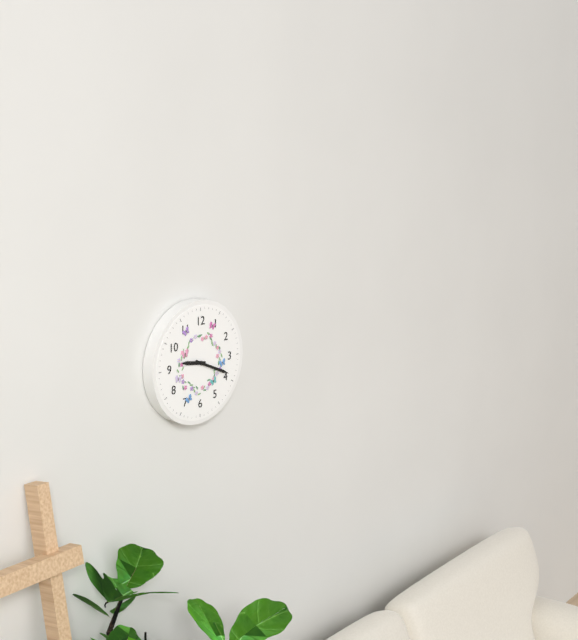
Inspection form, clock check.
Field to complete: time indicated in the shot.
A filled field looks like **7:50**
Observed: **9:19**
